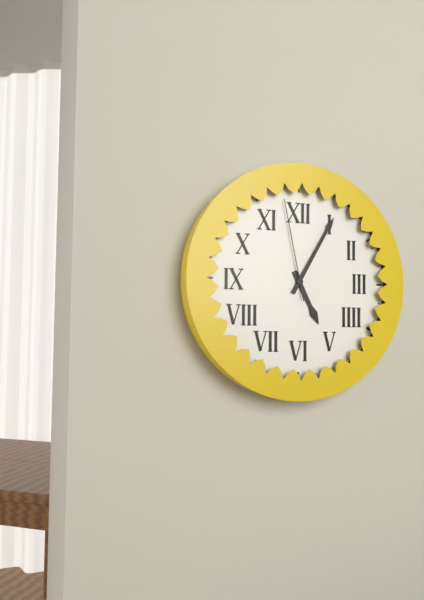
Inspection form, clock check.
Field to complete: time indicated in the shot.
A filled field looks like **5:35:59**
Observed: **5:05:58**
